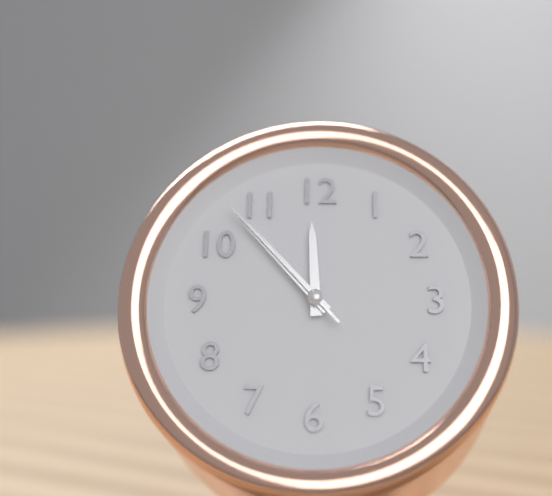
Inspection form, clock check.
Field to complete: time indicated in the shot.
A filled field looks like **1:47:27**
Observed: **11:53:53**
